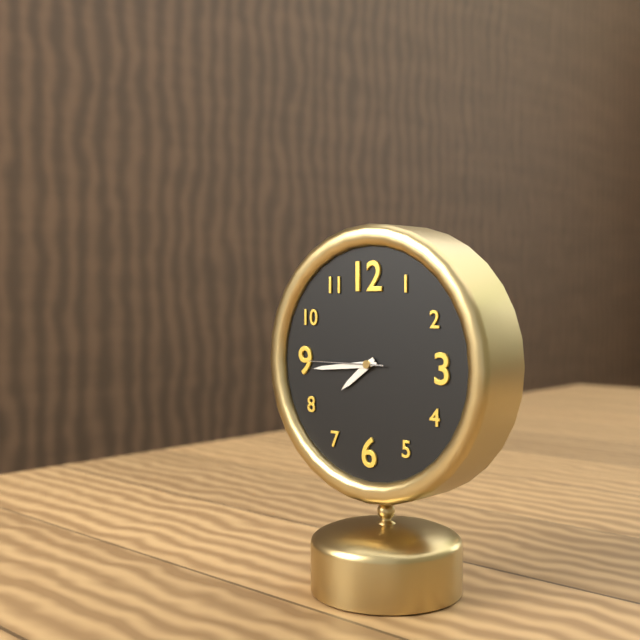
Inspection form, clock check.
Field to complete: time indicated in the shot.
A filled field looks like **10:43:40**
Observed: **7:44:45**
